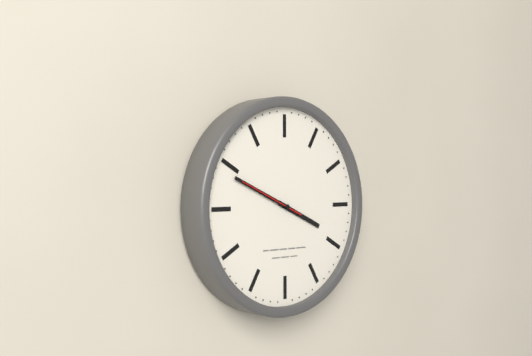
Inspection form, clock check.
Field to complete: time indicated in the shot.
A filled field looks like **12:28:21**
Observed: **3:49:49**
